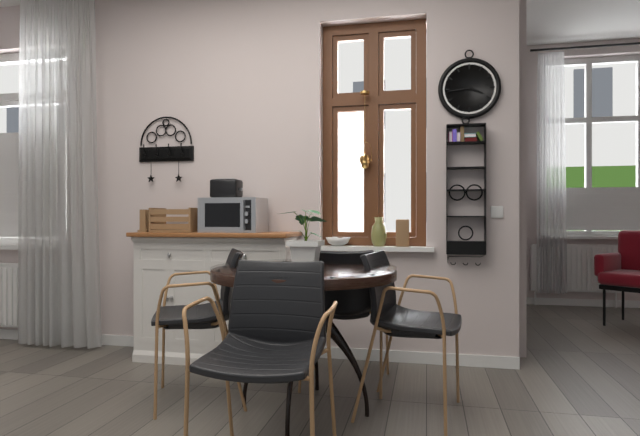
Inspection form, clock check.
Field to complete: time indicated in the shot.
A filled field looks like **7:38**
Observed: **3:44**
